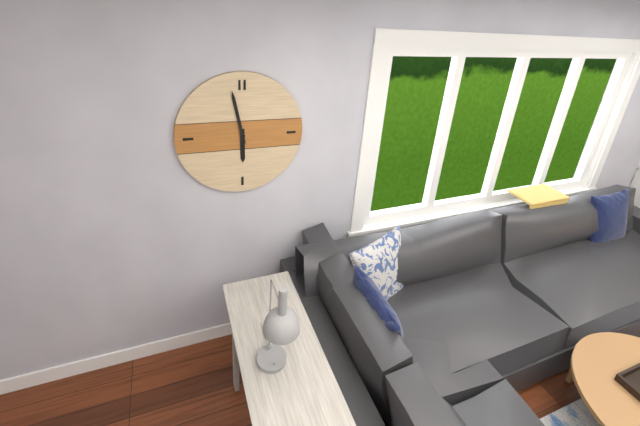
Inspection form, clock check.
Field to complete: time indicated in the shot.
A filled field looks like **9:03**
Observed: **5:58**
